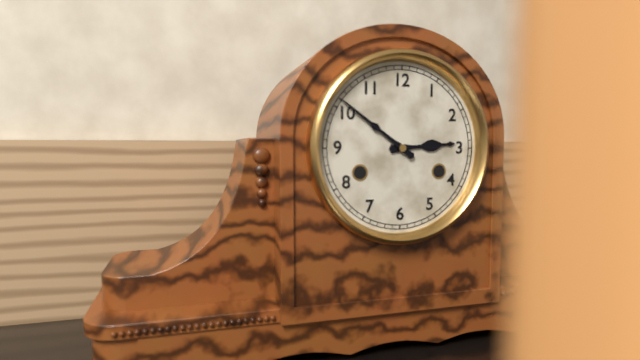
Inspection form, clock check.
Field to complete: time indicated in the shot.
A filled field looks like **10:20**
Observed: **2:51**
